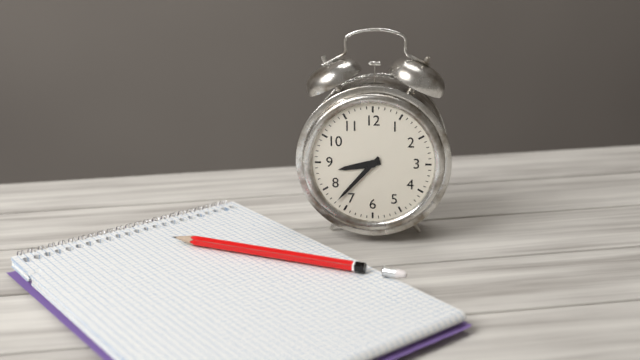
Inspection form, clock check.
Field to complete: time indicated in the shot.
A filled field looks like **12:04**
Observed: **8:37**
